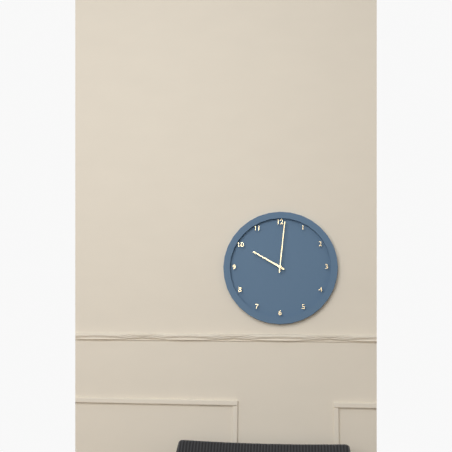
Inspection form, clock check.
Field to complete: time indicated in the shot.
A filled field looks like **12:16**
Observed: **10:01**
